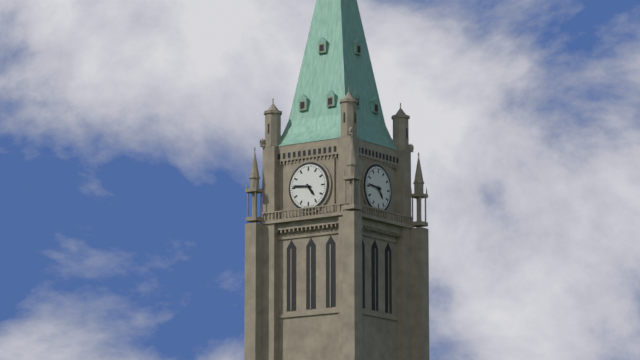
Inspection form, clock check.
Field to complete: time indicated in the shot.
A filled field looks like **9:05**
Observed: **4:46**
